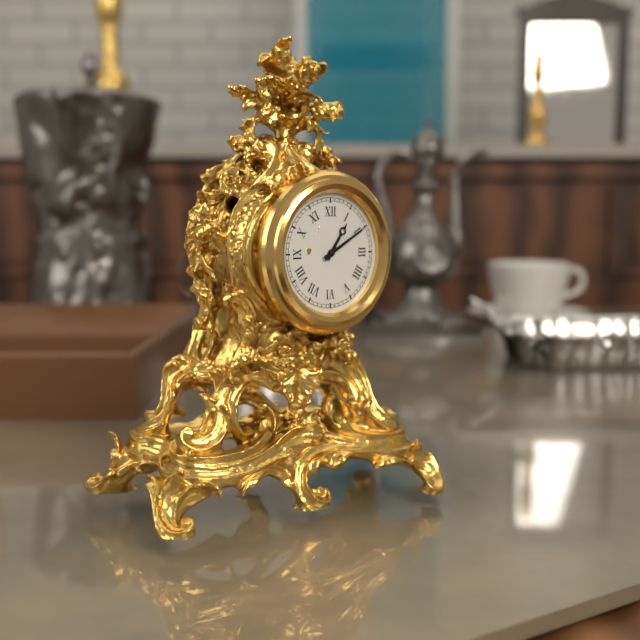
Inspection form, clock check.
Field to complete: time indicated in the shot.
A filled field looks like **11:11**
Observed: **1:10**
